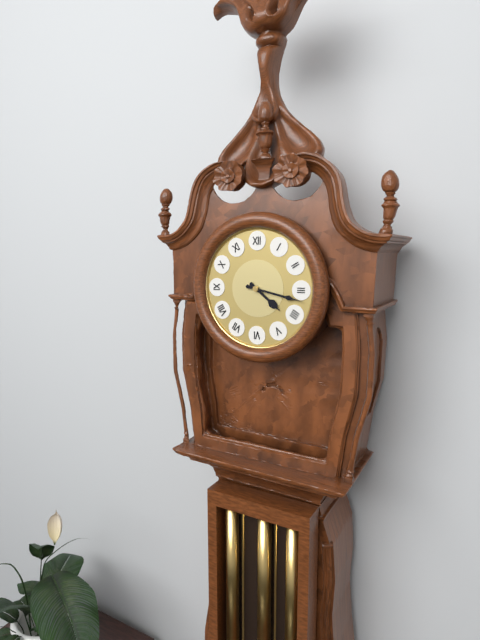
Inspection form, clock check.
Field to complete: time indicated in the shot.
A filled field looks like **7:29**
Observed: **4:17**
